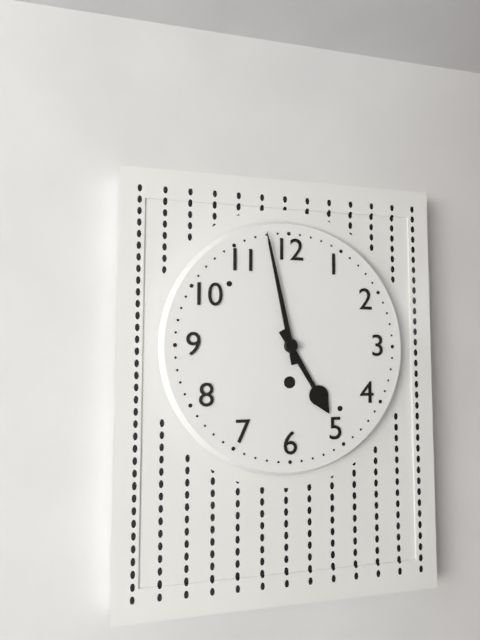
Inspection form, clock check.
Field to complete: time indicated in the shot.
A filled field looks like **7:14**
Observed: **4:58**
